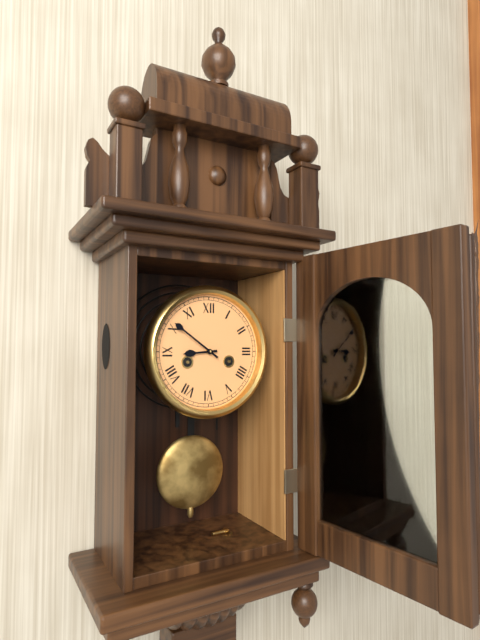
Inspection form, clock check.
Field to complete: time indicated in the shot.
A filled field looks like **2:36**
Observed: **8:51**
